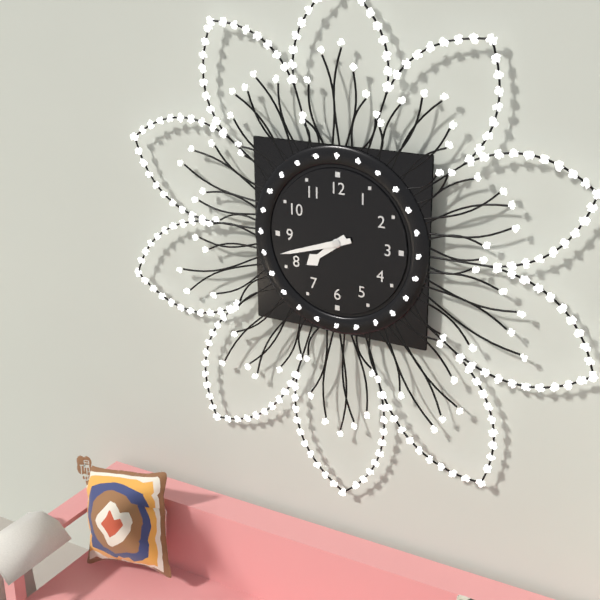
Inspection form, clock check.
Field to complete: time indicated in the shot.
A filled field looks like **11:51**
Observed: **7:42**
